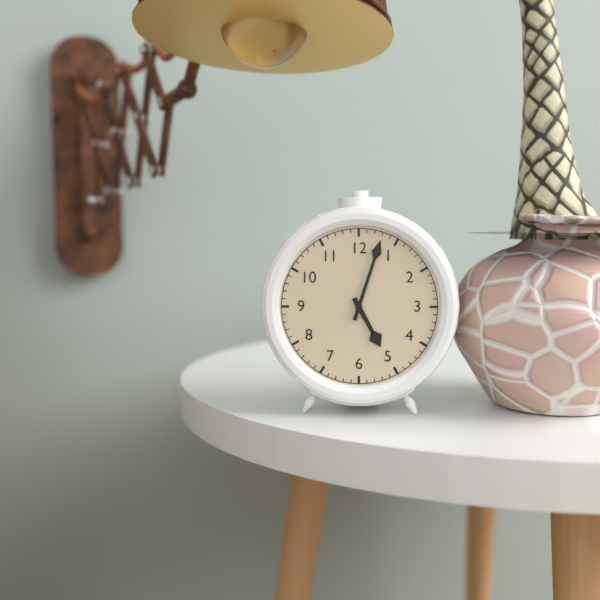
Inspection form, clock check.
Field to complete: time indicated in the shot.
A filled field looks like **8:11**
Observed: **5:03**
